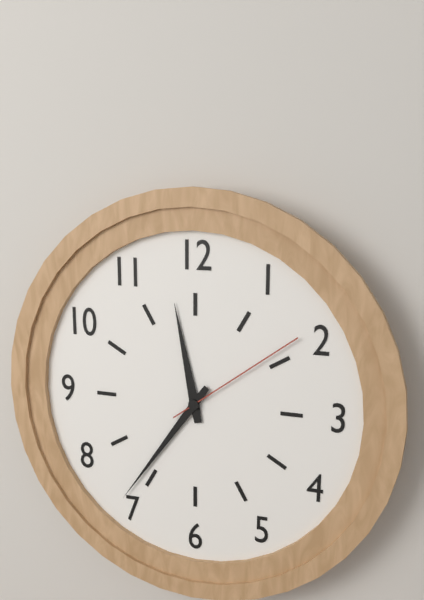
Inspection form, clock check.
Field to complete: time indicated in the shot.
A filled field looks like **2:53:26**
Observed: **11:36:09**
